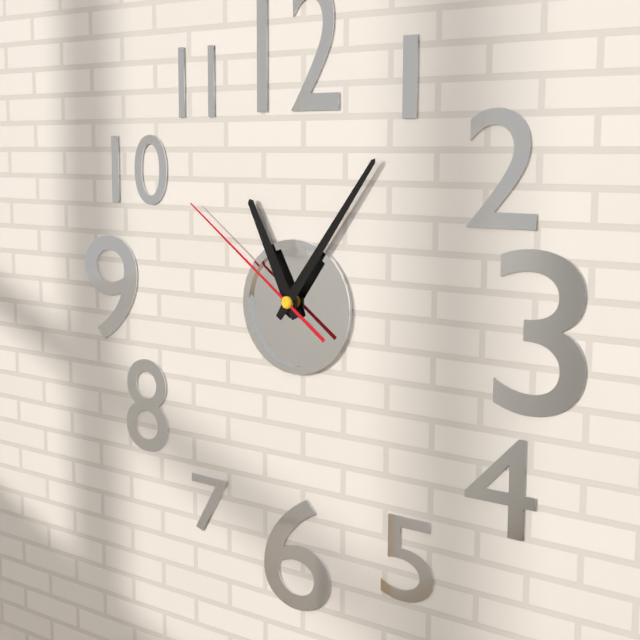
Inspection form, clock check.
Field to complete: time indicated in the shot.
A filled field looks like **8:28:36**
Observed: **11:06:51**
